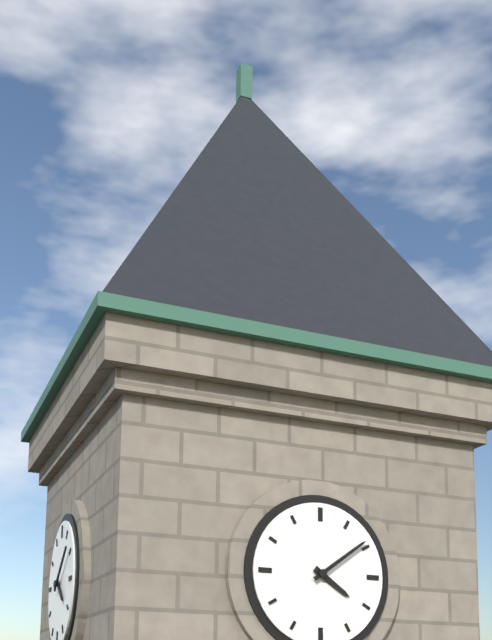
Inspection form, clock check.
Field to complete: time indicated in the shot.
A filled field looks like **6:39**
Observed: **4:09**
